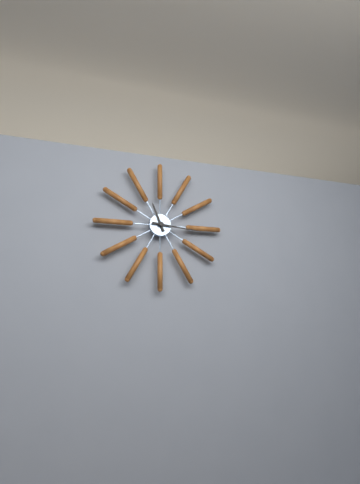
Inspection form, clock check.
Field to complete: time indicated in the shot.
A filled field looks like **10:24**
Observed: **11:16**
